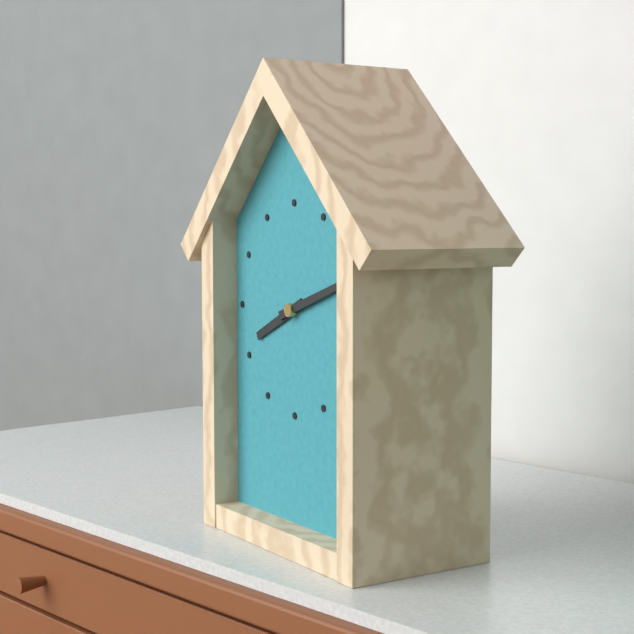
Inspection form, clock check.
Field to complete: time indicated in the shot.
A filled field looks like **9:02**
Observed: **8:12**
